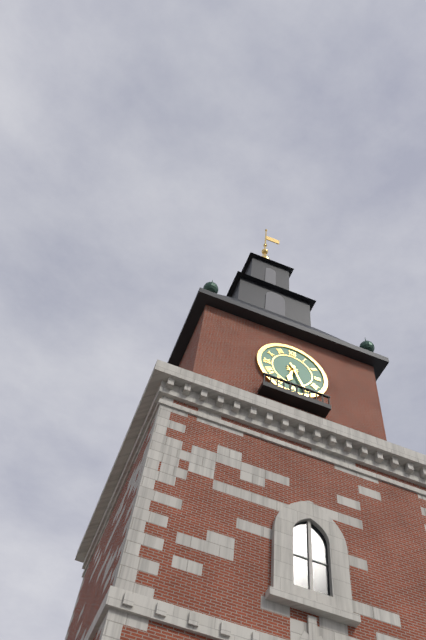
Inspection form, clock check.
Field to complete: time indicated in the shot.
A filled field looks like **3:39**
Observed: **6:26**
